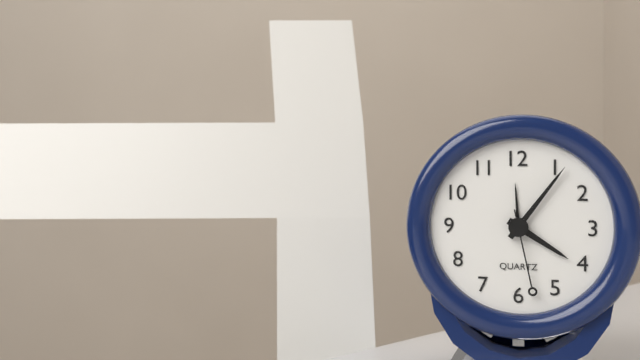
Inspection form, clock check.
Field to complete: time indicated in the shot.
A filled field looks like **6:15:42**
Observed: **4:06:28**
